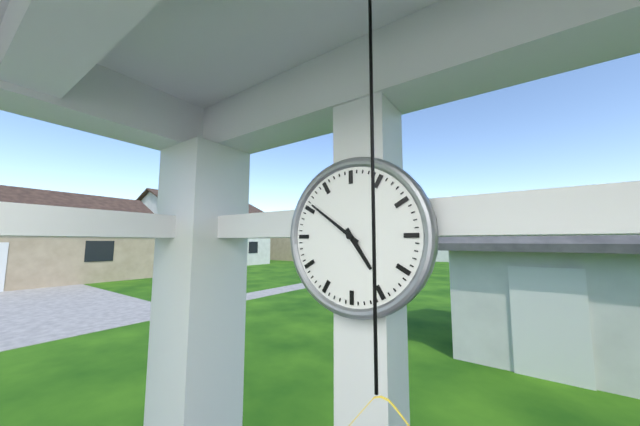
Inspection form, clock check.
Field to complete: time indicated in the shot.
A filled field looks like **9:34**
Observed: **4:51**
